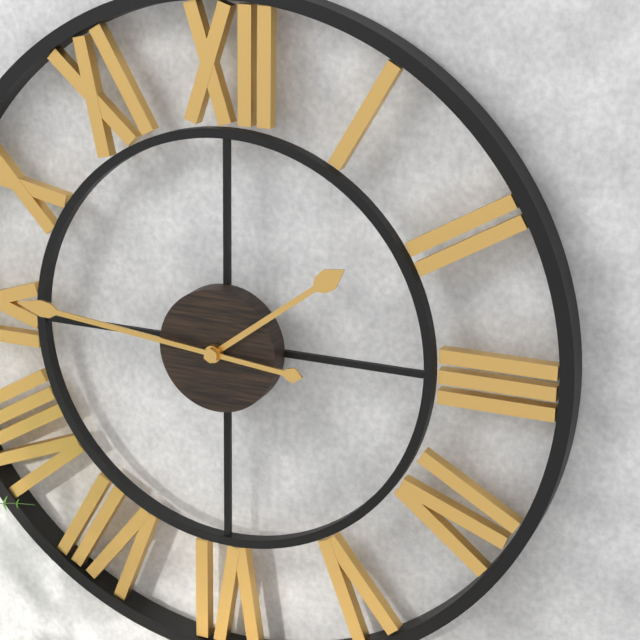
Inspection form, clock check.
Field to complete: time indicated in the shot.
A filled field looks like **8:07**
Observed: **1:46**
